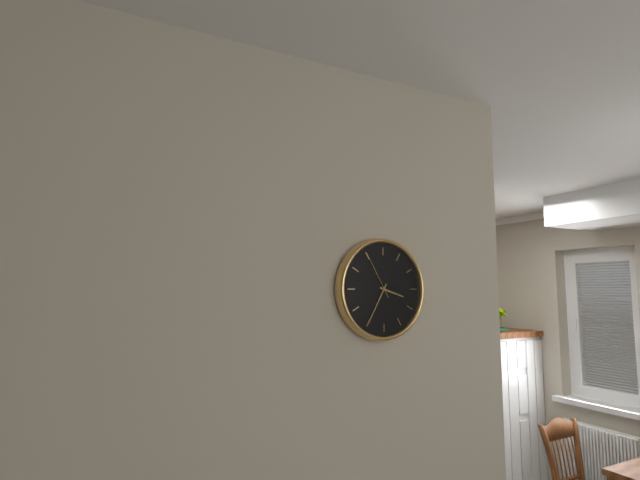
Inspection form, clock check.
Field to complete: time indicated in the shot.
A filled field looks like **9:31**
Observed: **3:35**
